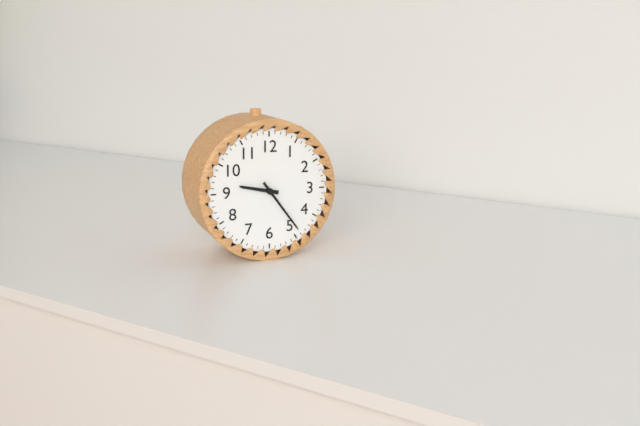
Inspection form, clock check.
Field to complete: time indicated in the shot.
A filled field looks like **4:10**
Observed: **9:24**
